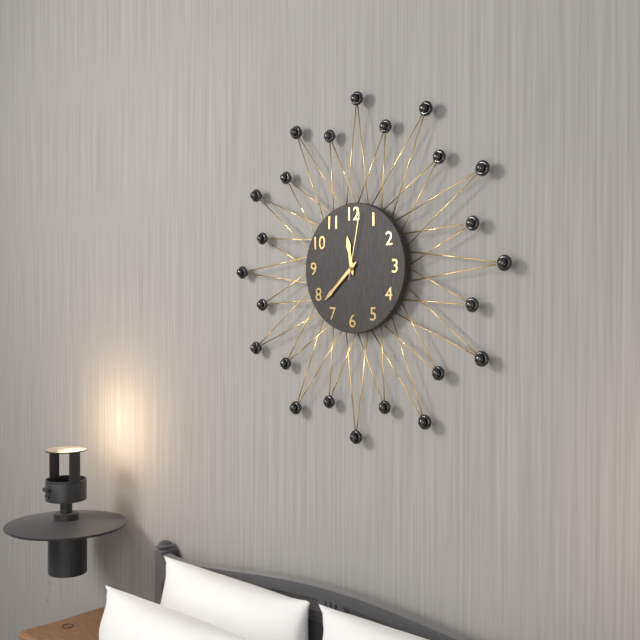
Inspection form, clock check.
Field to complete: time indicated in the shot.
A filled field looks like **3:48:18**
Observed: **11:38:02**
